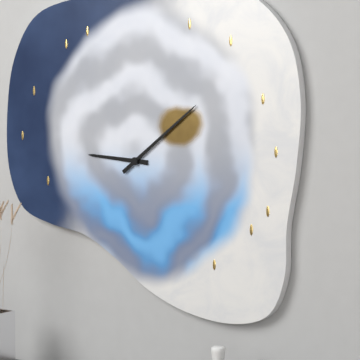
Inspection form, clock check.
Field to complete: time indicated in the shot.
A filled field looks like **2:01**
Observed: **9:09**
